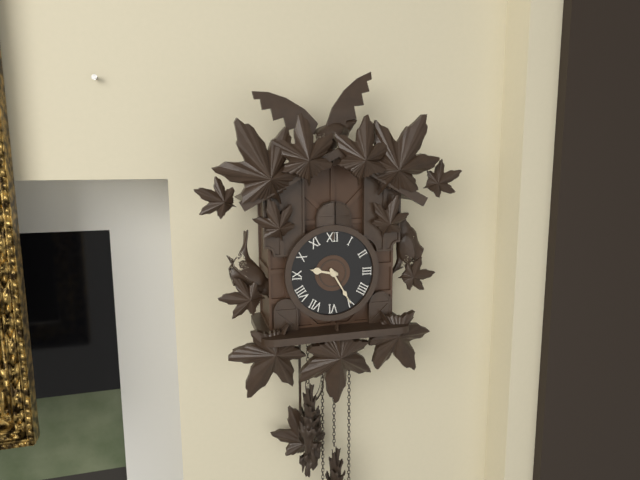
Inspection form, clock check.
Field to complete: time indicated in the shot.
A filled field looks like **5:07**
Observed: **9:25**
